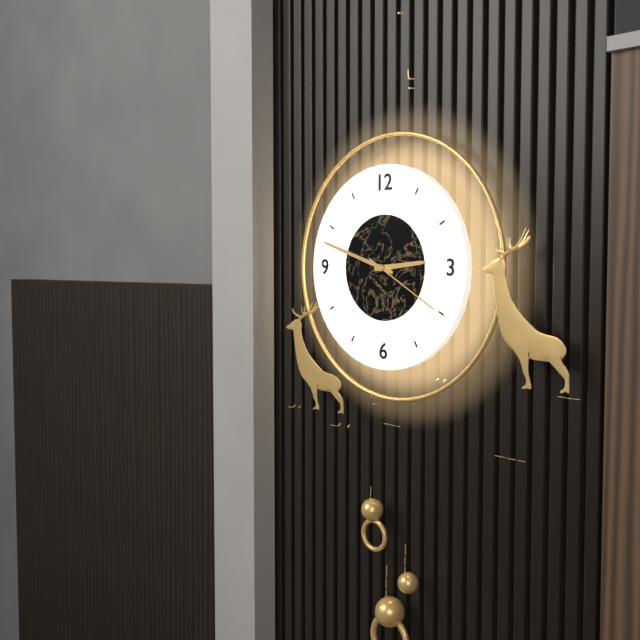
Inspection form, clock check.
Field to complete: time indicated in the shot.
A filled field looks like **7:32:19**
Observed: **2:48:20**
